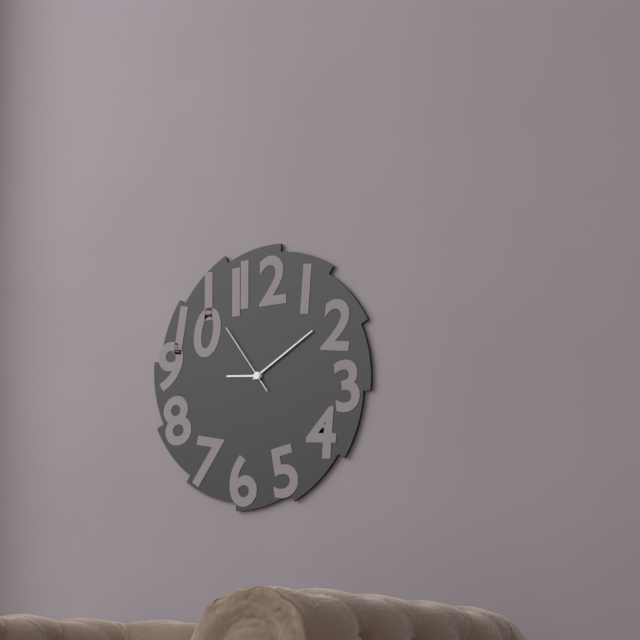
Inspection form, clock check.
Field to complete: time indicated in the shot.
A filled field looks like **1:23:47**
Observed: **9:10:54**
